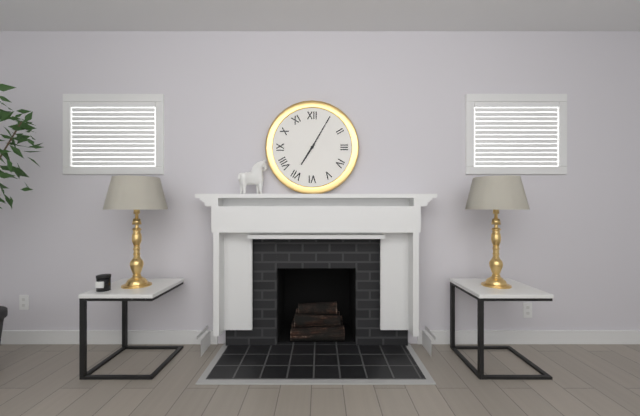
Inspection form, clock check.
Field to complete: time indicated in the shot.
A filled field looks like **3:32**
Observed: **7:05**
